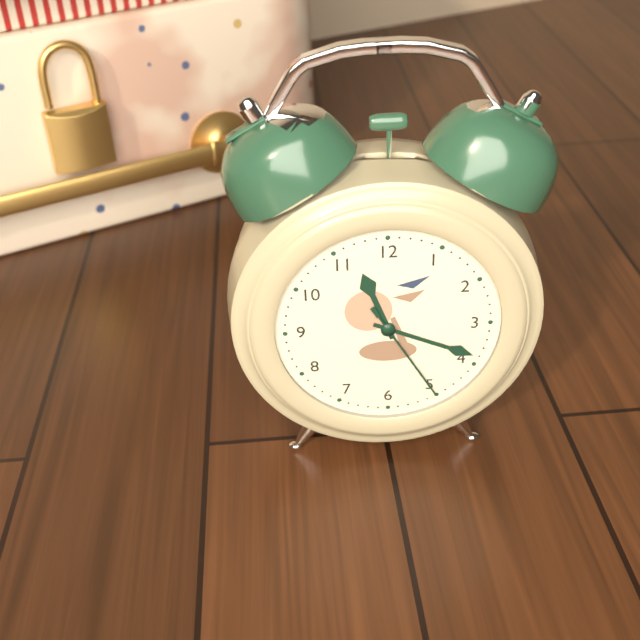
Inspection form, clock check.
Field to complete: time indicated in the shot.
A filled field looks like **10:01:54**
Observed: **11:19:25**
